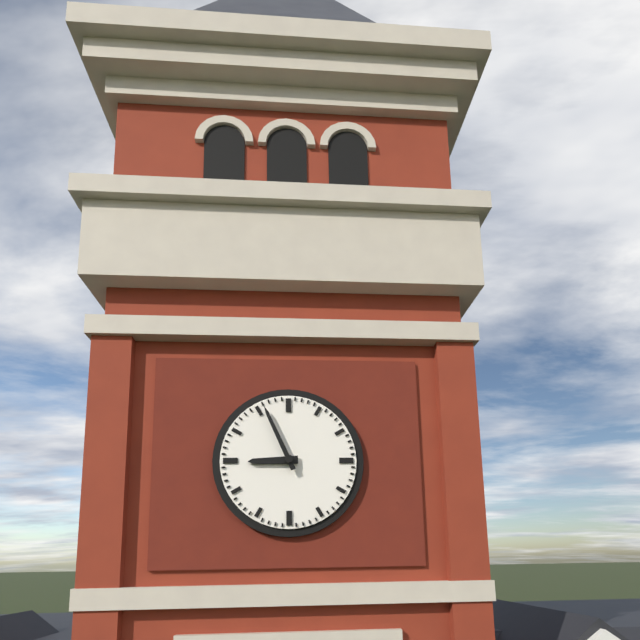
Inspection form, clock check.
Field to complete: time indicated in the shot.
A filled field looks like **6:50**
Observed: **8:56**
